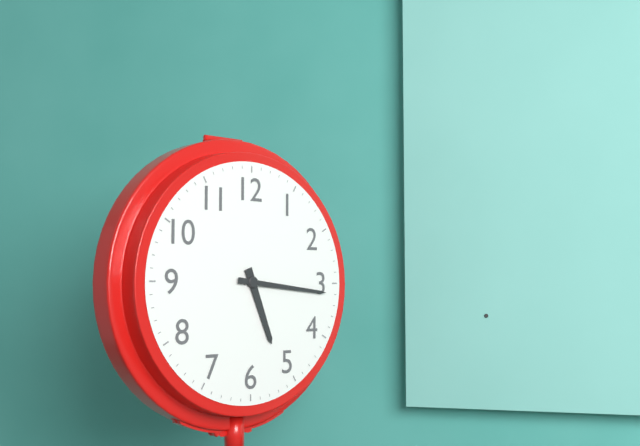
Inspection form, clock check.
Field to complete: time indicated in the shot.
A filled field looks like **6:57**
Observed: **5:16**
